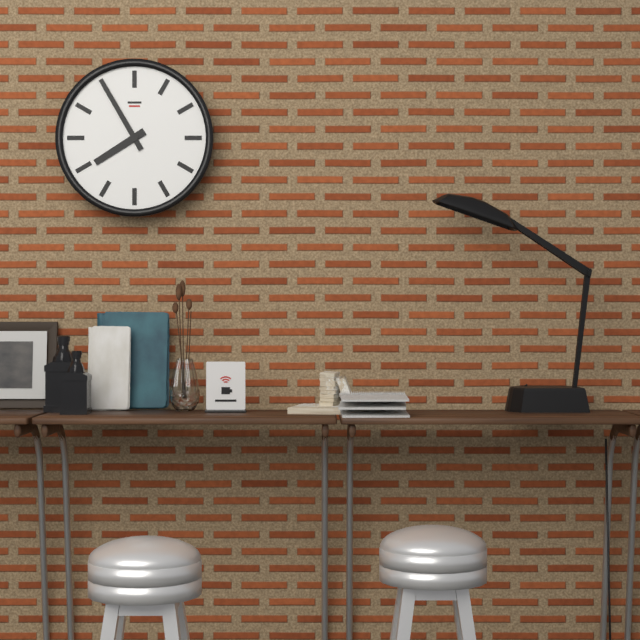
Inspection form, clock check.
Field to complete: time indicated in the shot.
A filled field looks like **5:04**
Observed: **7:55**
